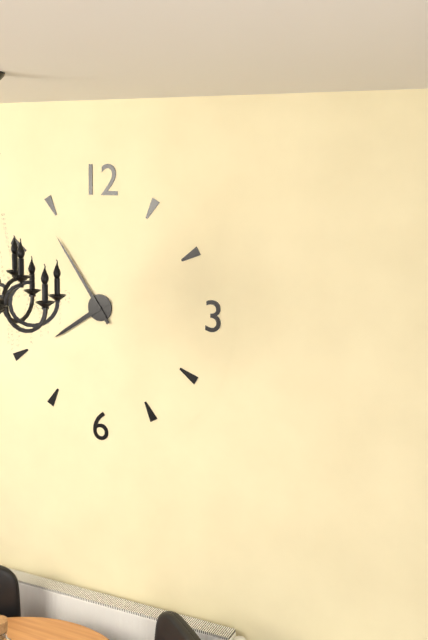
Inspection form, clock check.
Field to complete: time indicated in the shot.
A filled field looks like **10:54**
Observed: **7:54**
